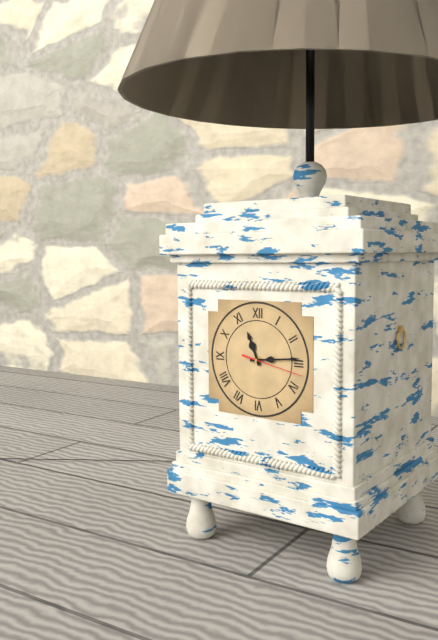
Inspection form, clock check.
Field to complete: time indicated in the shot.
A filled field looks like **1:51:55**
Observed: **11:14:17**
